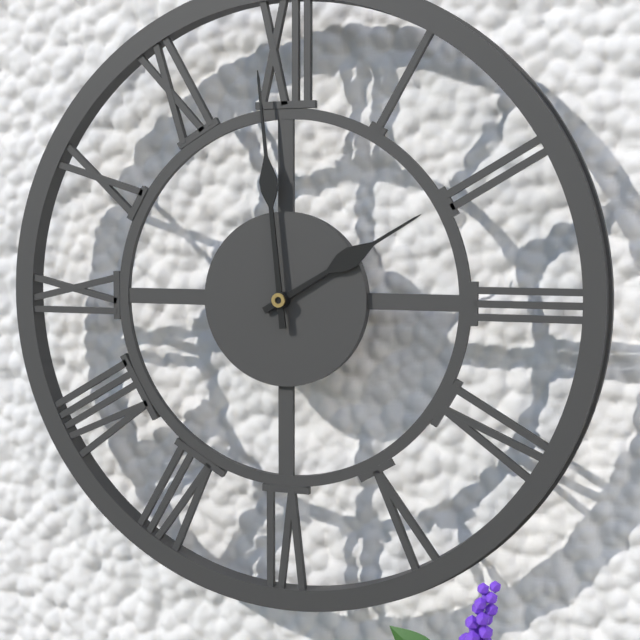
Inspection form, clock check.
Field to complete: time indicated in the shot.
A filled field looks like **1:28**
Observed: **1:59**
